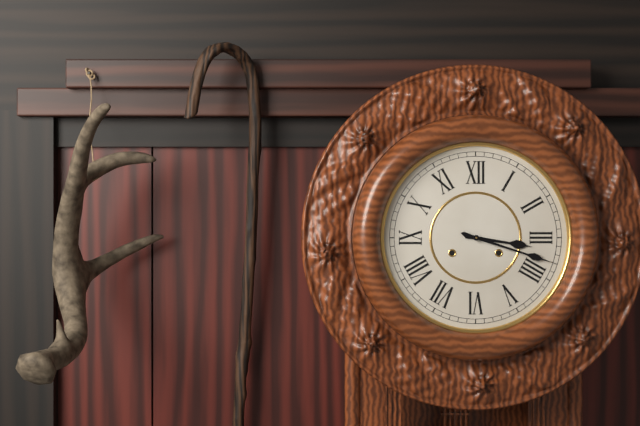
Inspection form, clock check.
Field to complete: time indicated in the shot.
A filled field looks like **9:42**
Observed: **3:18**
